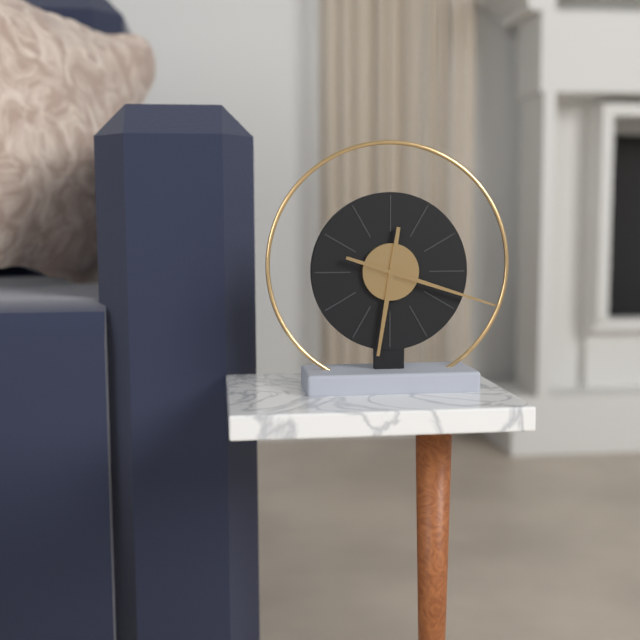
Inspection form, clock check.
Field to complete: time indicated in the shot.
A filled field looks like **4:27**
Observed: **6:18**
